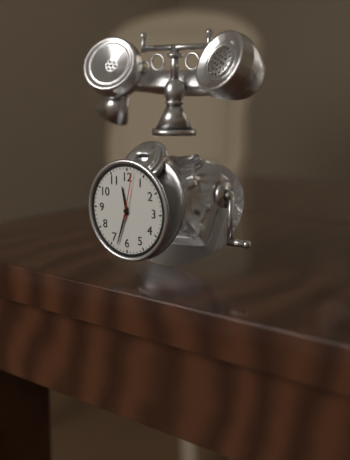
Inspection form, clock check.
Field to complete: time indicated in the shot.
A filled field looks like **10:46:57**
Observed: **11:33:02**
